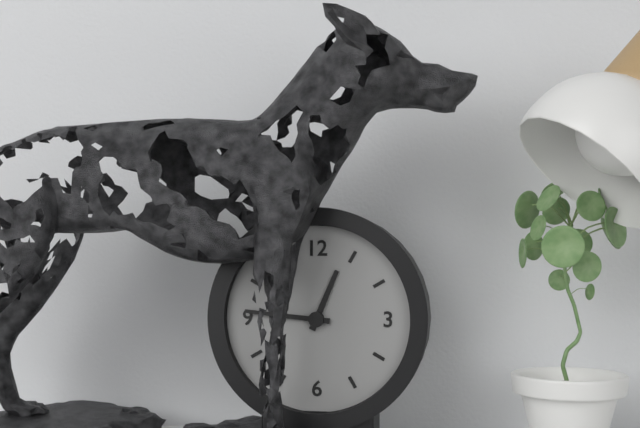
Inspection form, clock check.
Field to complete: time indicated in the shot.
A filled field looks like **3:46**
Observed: **12:46**
